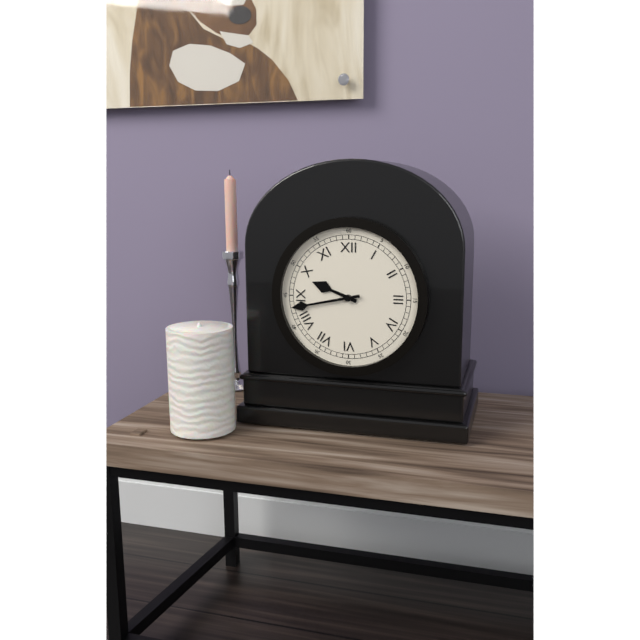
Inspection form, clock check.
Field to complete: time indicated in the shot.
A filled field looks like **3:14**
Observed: **9:43**
